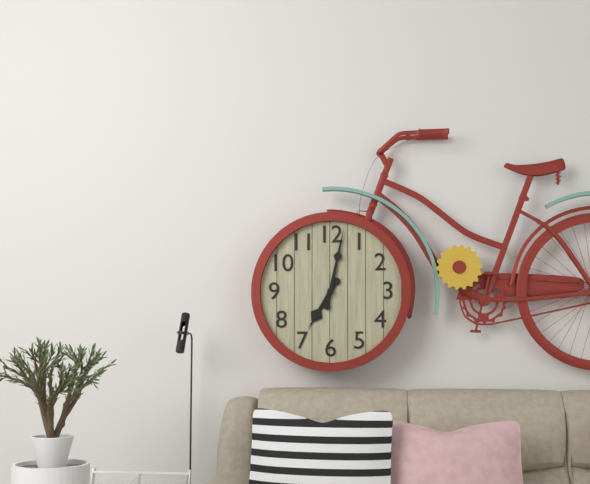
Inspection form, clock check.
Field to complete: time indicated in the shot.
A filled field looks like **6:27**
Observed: **7:02**
